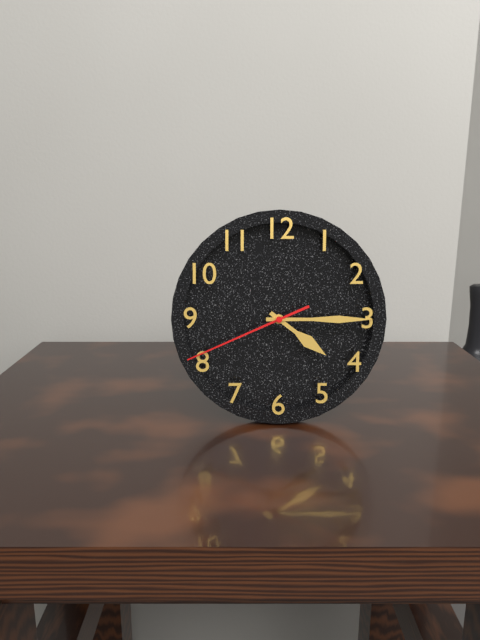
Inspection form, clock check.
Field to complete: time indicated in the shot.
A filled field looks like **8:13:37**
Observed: **4:15:41**
